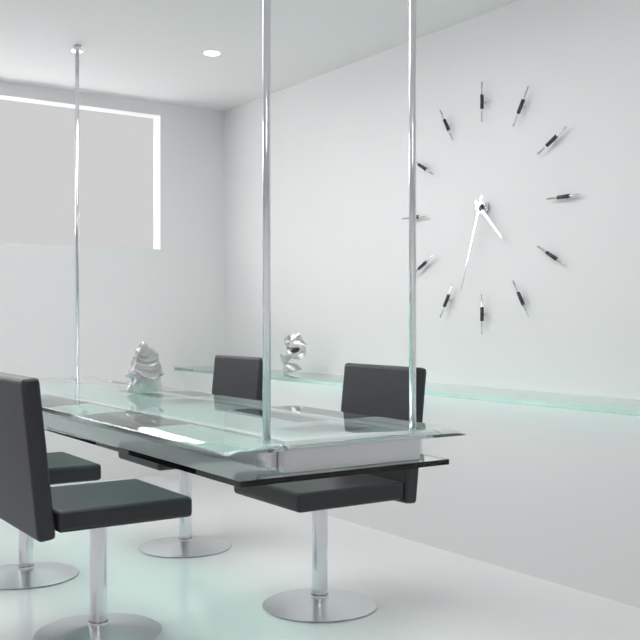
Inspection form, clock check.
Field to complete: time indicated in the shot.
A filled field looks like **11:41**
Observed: **4:33**
